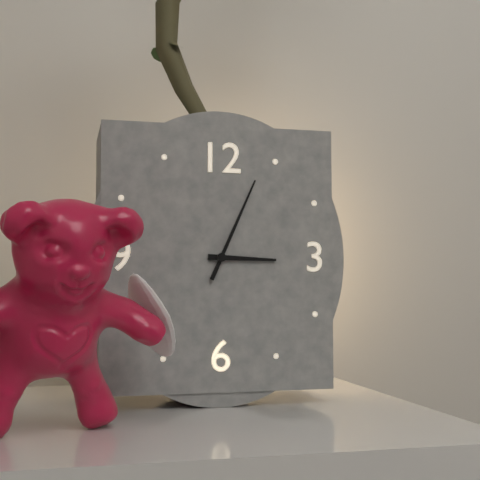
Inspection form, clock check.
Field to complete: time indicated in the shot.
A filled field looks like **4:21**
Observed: **3:04**
